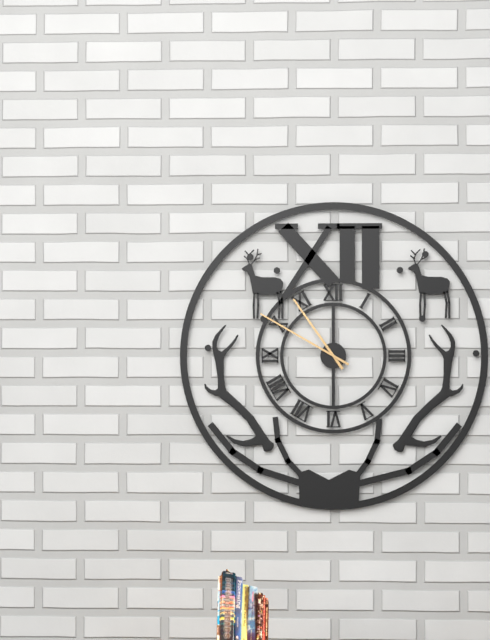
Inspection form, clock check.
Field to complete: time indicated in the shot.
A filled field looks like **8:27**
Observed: **10:50**
